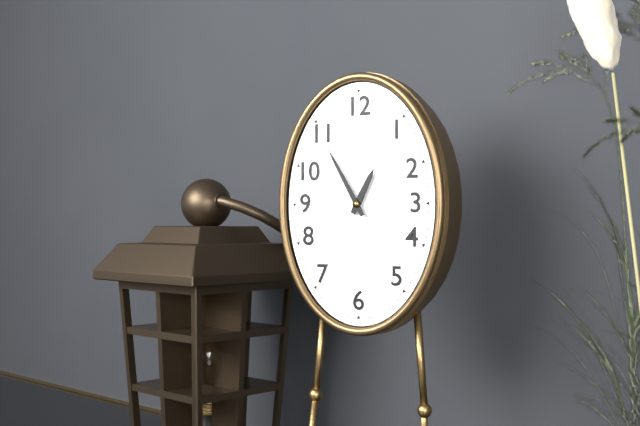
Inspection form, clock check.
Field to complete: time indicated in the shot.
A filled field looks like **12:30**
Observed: **12:55**
